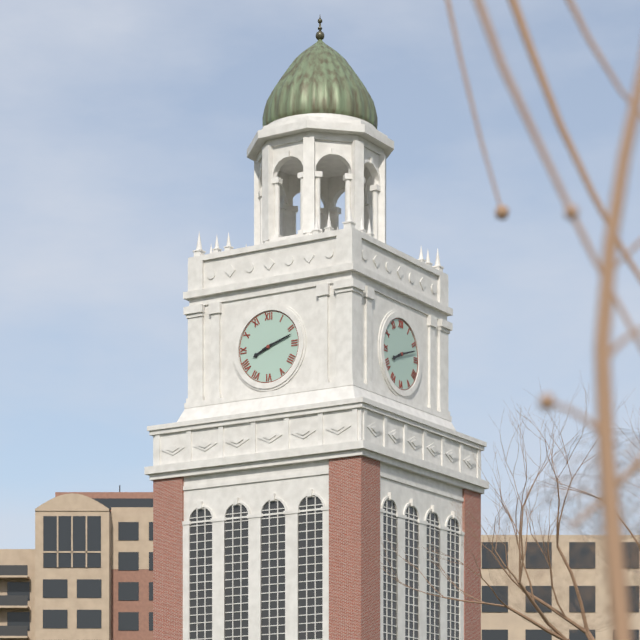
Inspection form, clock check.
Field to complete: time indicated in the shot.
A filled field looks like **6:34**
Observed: **8:12**
